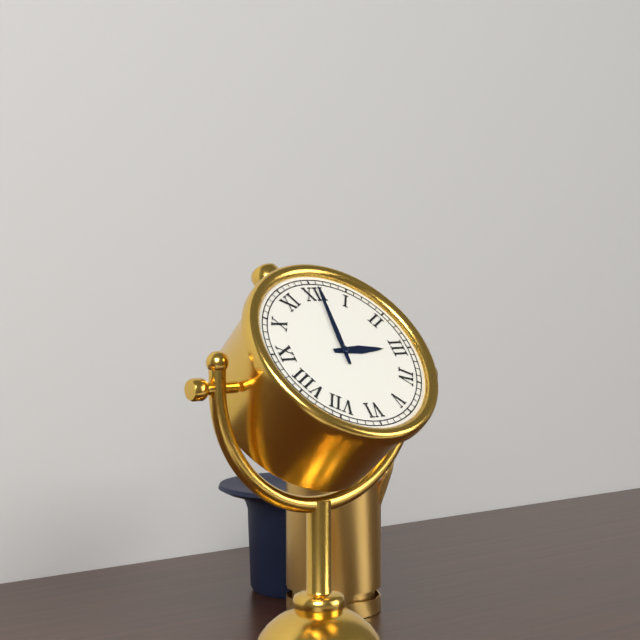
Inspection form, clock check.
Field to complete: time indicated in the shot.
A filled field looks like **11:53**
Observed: **3:01**
